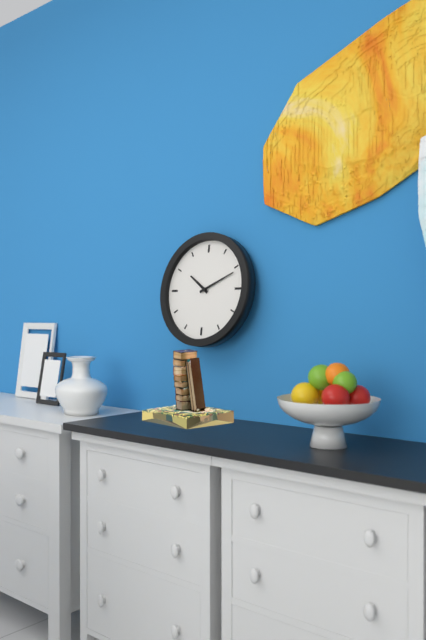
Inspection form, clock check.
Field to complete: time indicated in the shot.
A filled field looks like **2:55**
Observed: **10:11**
